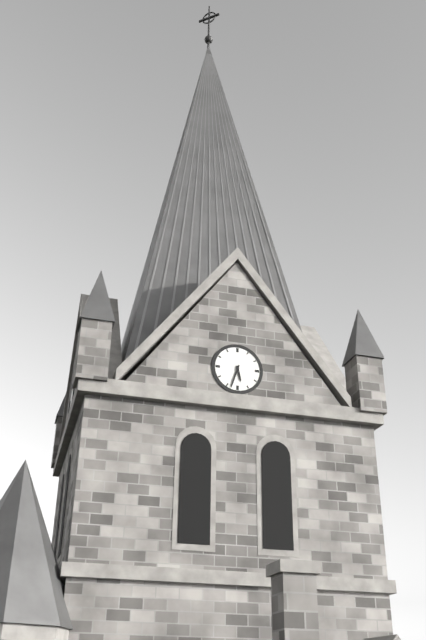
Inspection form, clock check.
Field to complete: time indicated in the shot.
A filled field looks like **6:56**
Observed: **5:33**
